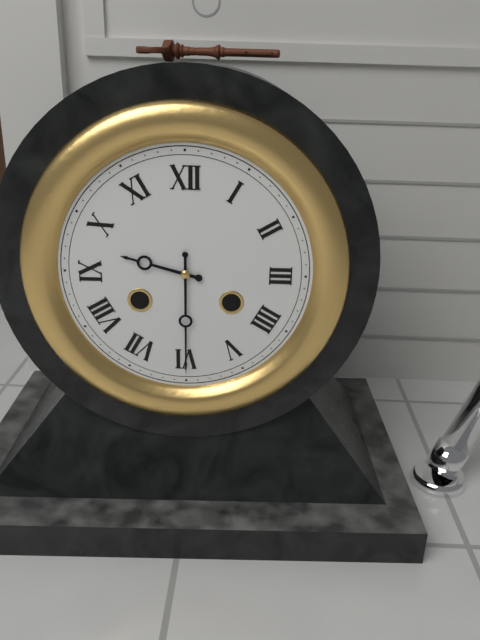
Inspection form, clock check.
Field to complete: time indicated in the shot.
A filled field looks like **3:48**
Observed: **9:30**
